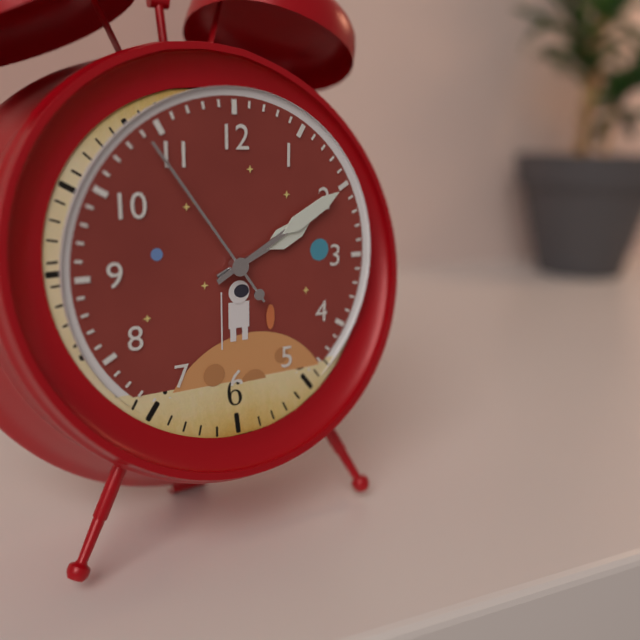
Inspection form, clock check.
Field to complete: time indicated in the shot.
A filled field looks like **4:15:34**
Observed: **2:10:54**
